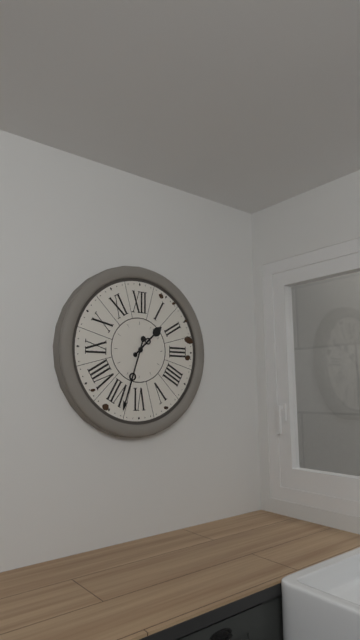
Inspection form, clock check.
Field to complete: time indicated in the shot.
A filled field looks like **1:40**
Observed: **1:33**
